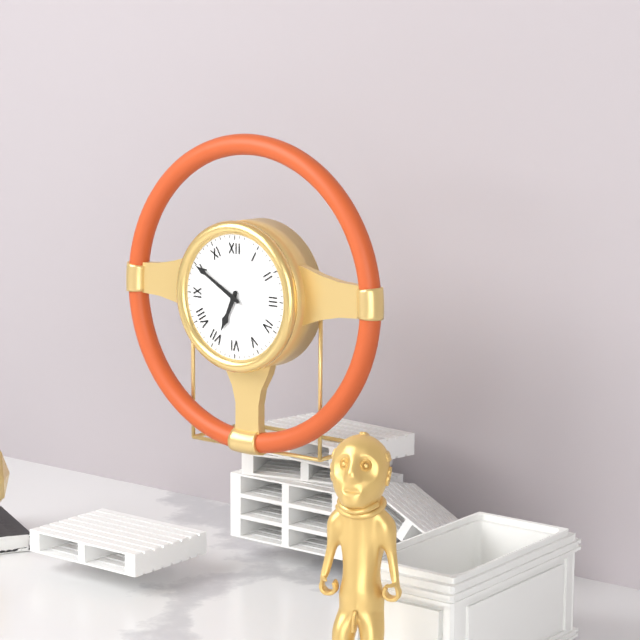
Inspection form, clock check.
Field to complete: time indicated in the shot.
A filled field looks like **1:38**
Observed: **6:50**
